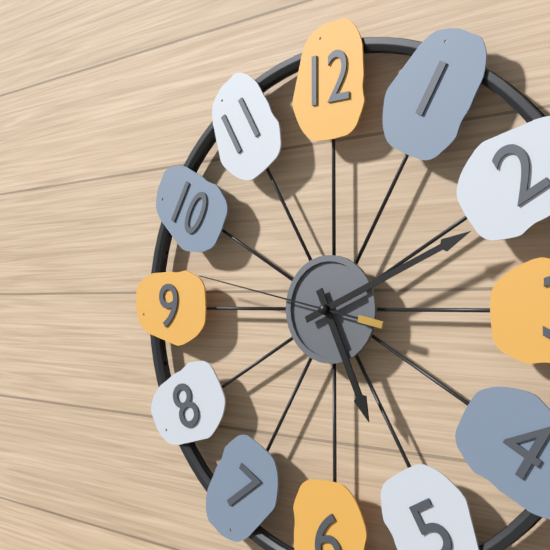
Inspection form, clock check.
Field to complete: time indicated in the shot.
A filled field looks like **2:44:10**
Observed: **5:11:47**
